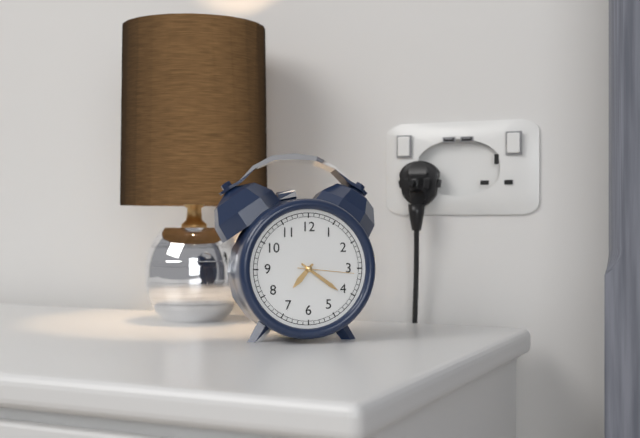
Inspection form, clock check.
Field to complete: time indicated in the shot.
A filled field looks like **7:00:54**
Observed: **7:21:16**
